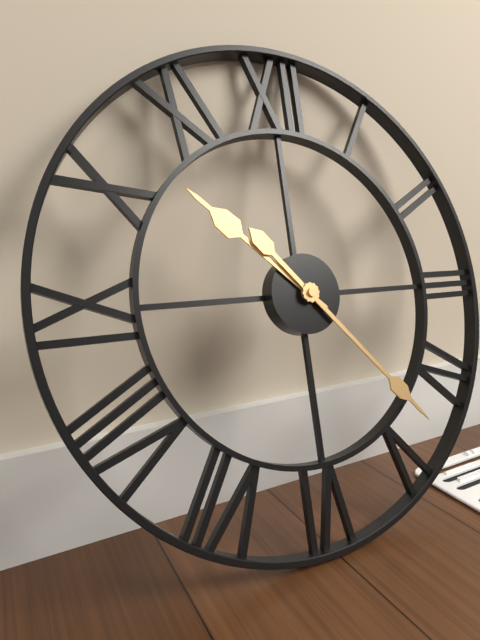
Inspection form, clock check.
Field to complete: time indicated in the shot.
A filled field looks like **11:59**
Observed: **10:23**
